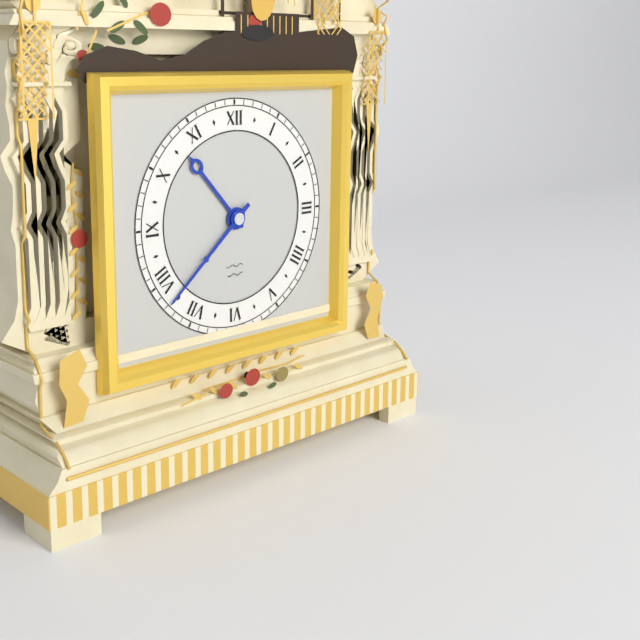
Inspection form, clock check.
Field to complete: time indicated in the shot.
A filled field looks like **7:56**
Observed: **10:38**
